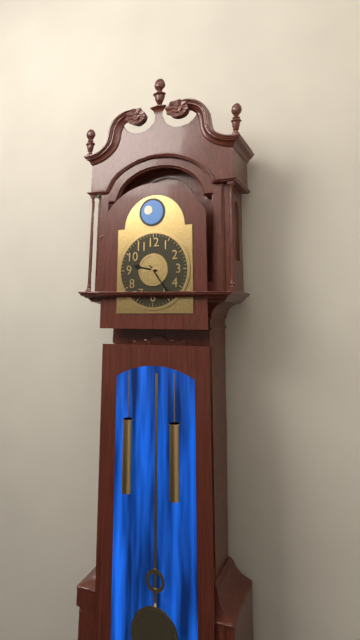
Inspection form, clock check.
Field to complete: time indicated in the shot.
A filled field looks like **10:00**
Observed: **9:24**
